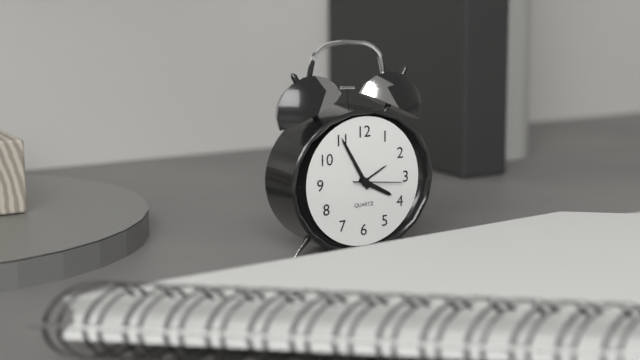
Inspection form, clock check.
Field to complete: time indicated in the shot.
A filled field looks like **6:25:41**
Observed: **3:55:16**
